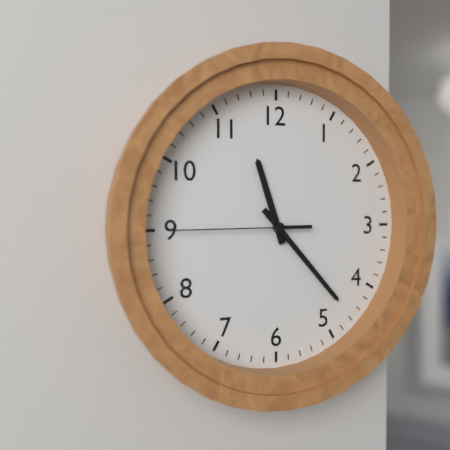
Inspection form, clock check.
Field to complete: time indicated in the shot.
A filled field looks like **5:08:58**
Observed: **11:23:45**
